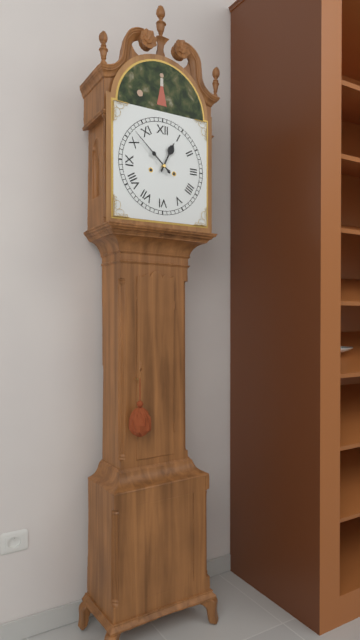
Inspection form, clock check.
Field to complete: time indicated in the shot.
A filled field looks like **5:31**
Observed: **12:52**
